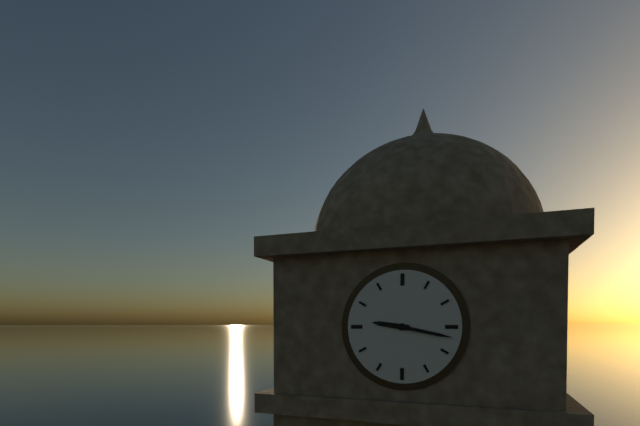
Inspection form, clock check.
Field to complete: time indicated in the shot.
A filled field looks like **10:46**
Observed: **9:17**
